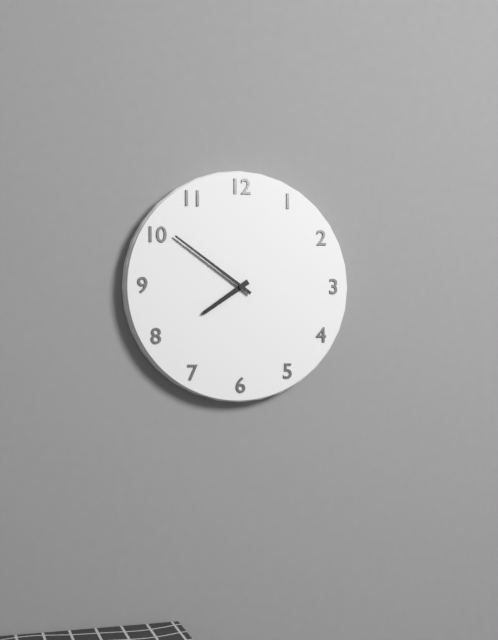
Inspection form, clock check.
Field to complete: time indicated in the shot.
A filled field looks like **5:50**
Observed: **7:51**
